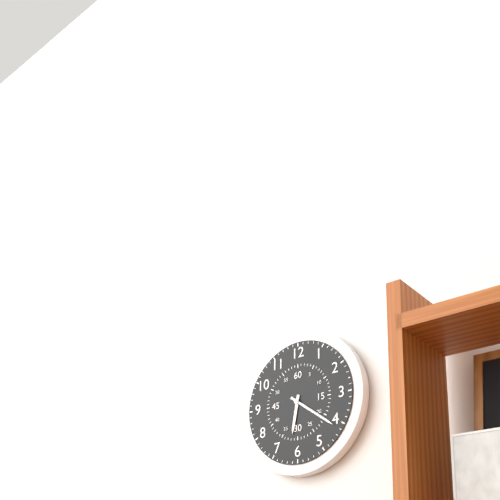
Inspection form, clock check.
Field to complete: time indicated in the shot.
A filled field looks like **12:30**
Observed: **6:21**
